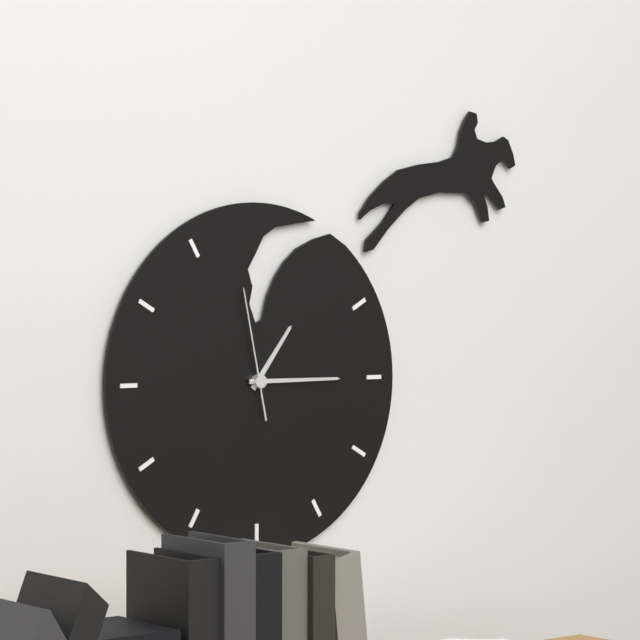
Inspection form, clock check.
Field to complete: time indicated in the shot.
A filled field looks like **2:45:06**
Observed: **1:15:58**
